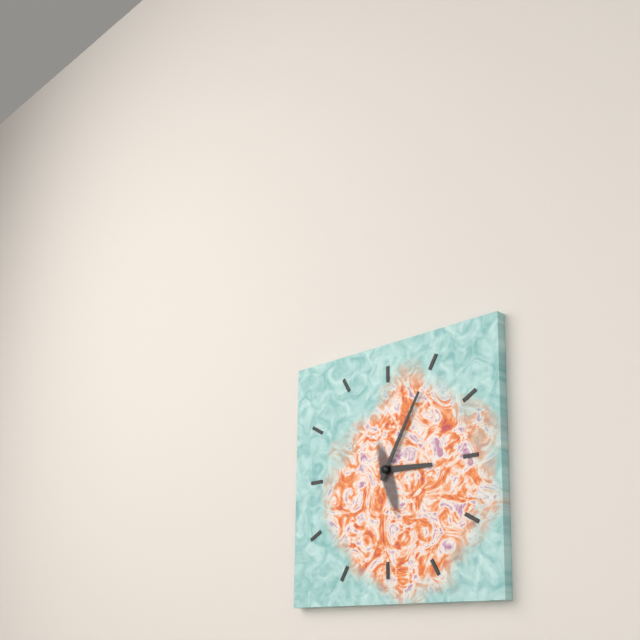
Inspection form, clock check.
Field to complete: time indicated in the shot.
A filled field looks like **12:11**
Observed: **3:05**
